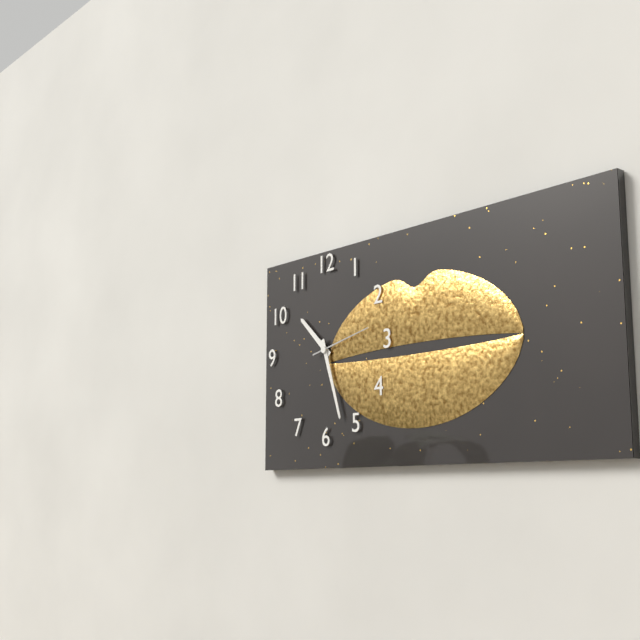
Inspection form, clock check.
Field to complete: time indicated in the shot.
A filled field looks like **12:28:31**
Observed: **10:27:13**
